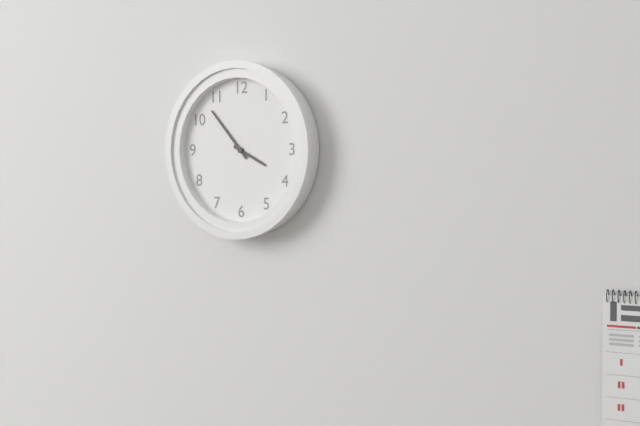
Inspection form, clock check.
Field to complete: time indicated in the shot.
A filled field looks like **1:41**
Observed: **3:53**
